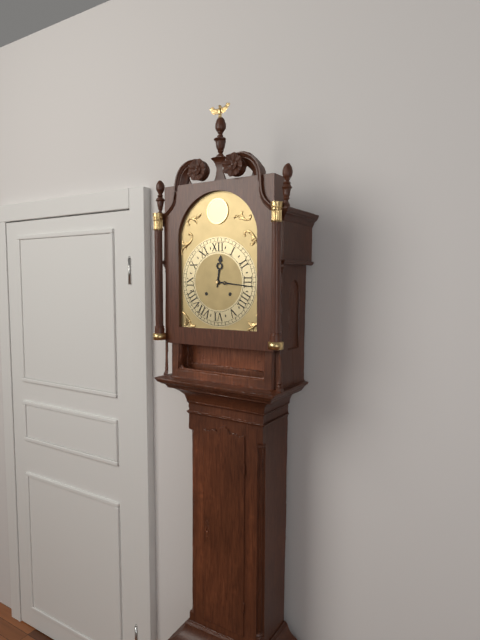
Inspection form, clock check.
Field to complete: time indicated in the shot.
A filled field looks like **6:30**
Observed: **12:16**
